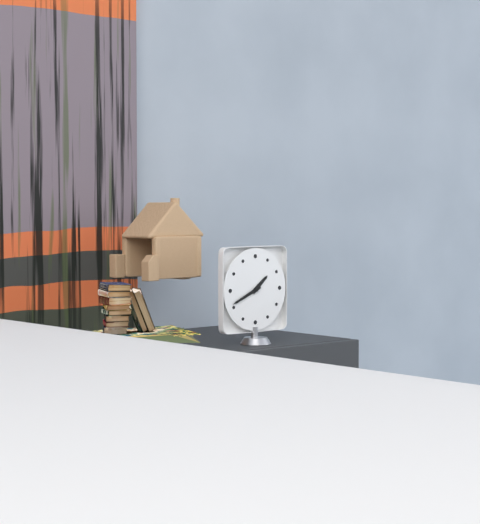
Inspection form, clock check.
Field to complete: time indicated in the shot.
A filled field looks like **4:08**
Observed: **1:41**
